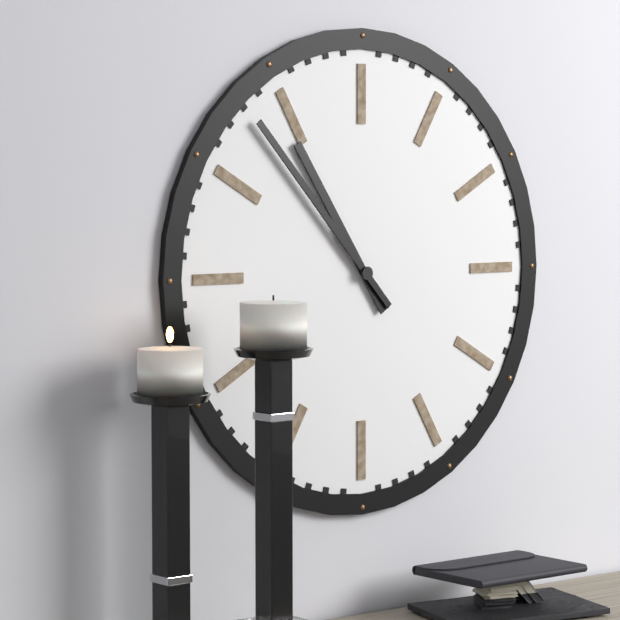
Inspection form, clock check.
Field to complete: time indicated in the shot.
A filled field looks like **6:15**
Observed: **10:53**
